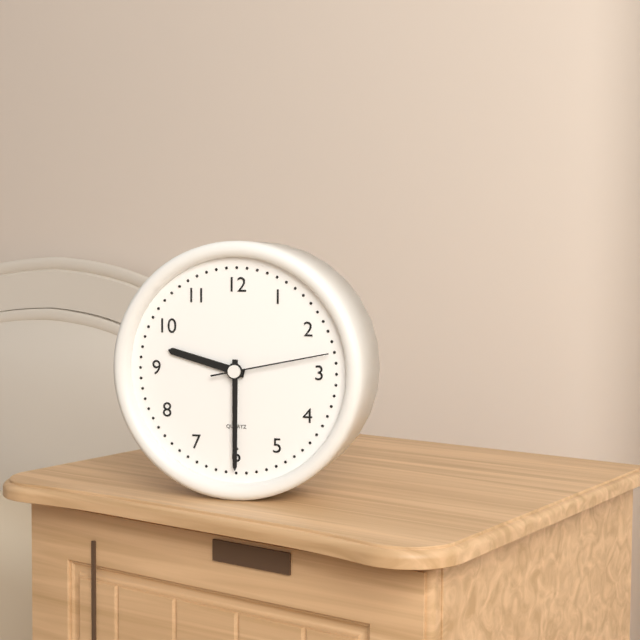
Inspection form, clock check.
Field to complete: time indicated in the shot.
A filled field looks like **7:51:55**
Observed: **9:30:13**
